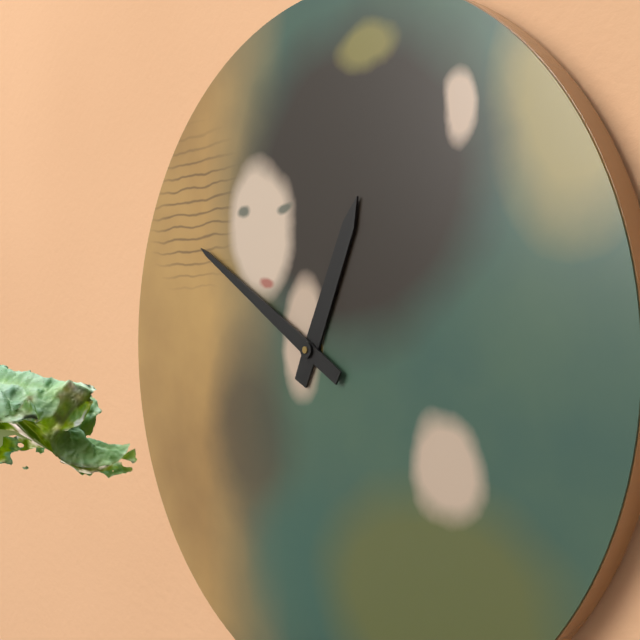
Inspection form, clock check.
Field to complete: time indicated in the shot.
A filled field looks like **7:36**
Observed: **12:50**
